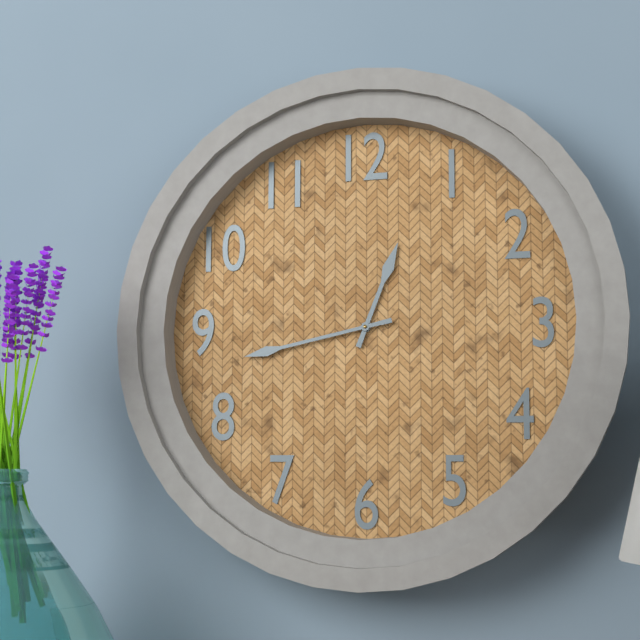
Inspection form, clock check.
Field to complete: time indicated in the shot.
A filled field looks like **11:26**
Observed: **12:43**
